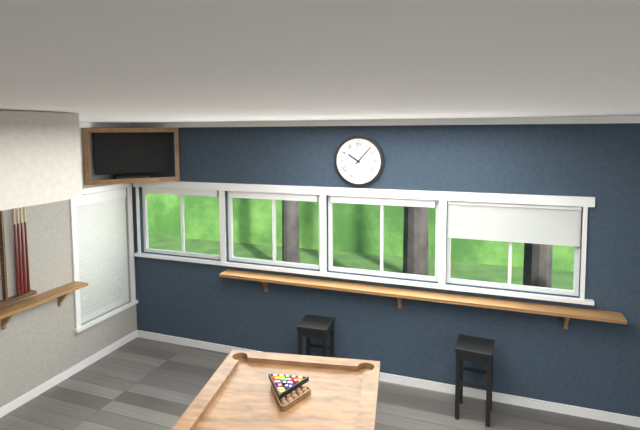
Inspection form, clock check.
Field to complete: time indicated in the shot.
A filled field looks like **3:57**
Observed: **10:07**
